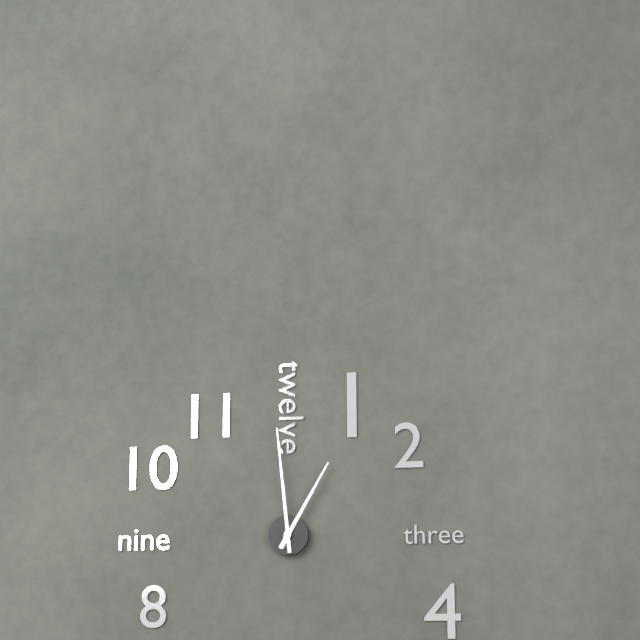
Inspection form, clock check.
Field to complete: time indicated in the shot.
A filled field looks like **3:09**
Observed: **12:59**
